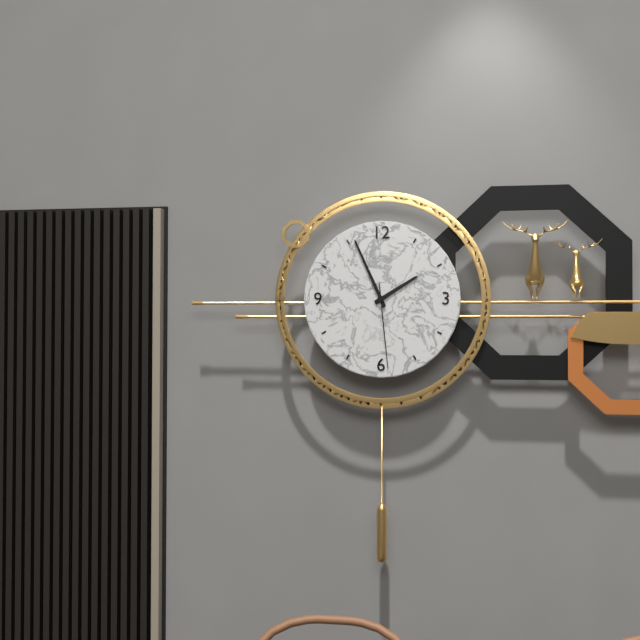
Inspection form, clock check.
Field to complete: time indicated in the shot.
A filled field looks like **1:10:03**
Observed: **1:56:29**
